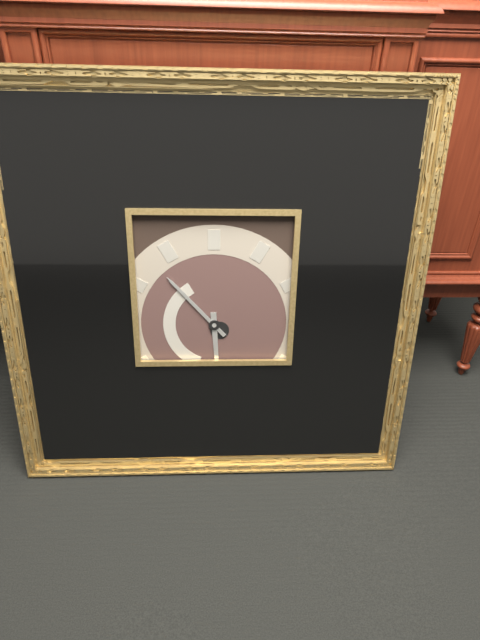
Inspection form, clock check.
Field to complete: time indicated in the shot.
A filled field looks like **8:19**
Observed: **5:53**
